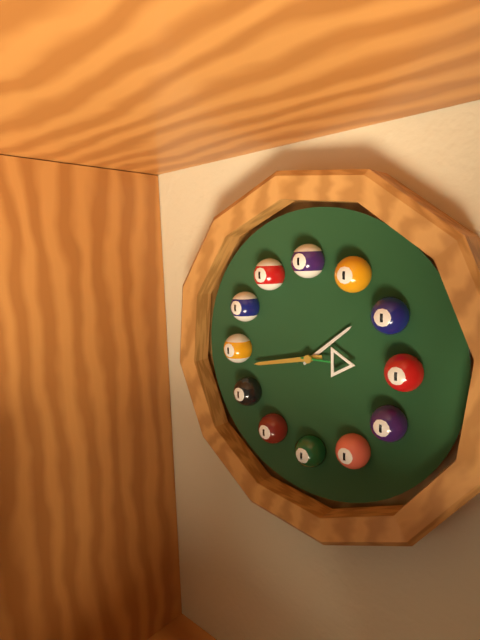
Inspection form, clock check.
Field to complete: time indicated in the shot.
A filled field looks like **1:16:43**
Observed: **1:43:15**
